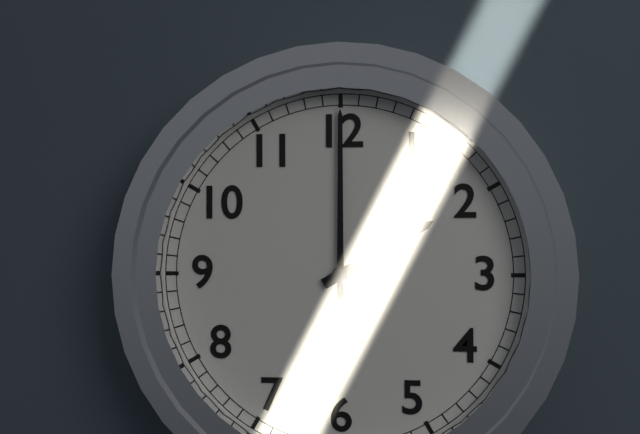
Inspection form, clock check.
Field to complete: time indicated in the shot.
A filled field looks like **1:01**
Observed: **2:00**
